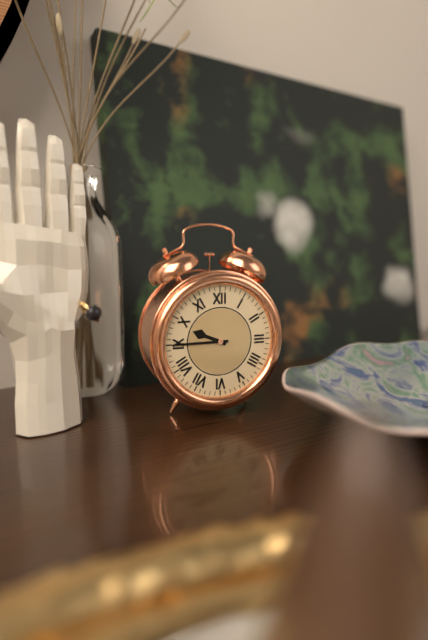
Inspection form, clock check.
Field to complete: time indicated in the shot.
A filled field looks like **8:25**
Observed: **9:45**
